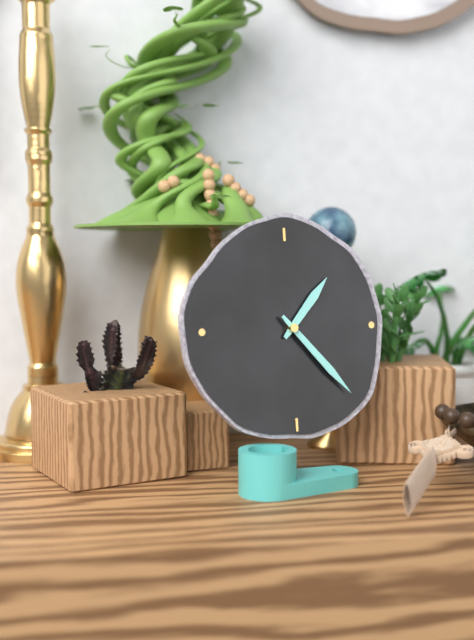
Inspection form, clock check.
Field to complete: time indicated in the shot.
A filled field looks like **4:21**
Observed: **1:23**
